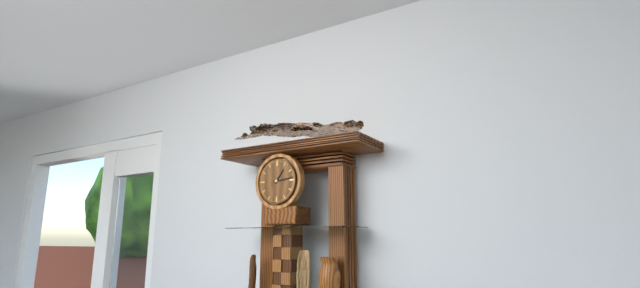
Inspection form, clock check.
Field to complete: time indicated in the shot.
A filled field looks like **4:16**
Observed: **1:14**
